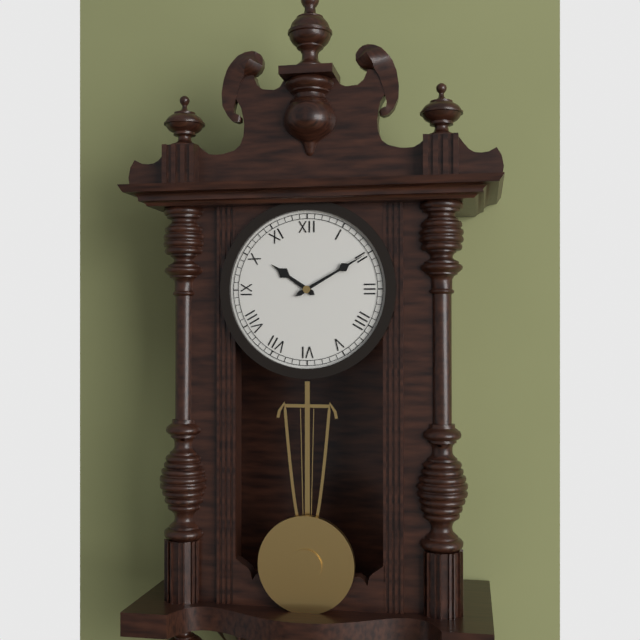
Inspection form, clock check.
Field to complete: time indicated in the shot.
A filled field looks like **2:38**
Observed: **10:10**
